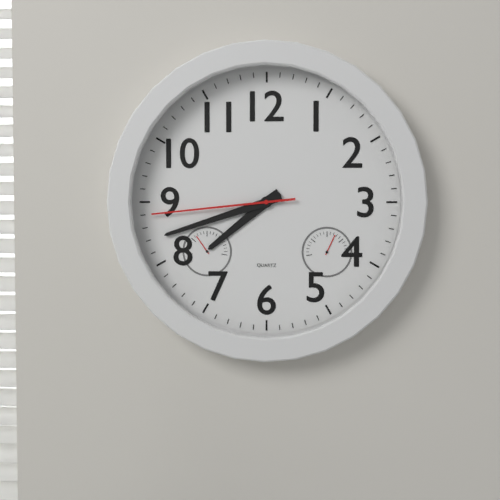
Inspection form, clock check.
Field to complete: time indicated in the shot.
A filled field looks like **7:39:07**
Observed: **7:42:44**
